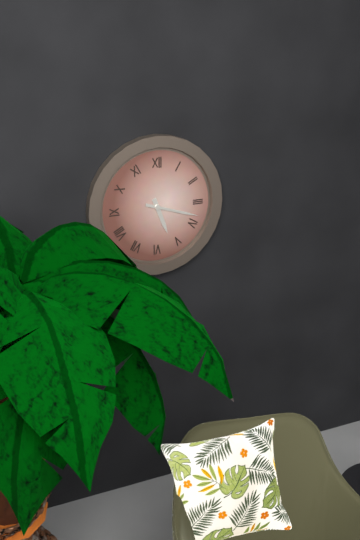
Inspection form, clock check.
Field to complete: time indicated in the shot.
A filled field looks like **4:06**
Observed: **5:18**
